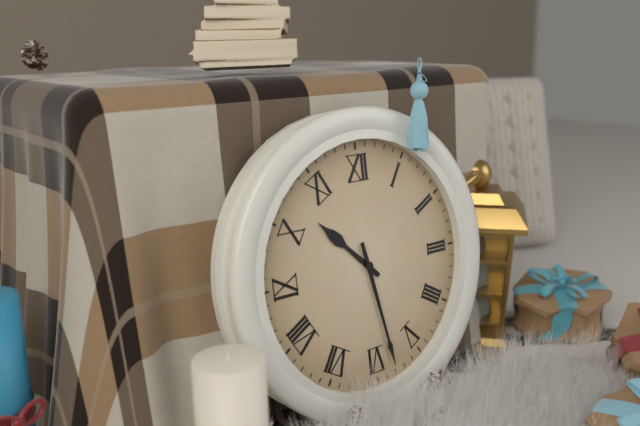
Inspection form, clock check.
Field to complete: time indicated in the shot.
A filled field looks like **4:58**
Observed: **10:28**
